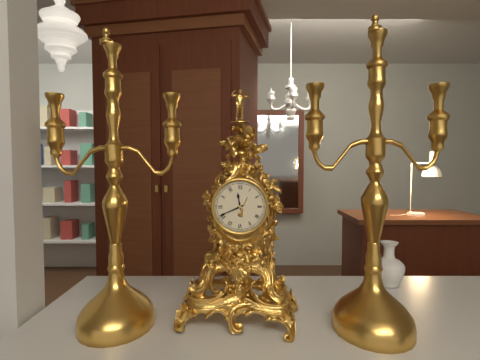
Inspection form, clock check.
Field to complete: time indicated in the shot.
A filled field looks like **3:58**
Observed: **11:41**
